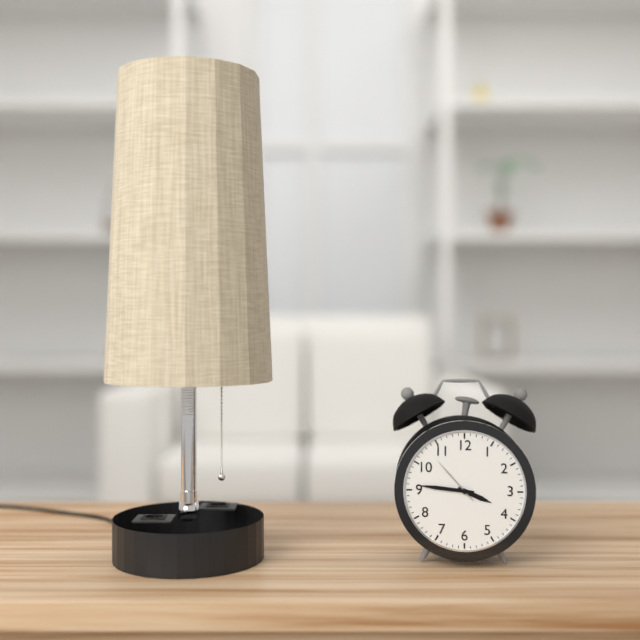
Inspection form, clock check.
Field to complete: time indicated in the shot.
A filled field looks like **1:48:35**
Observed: **3:46:53**
